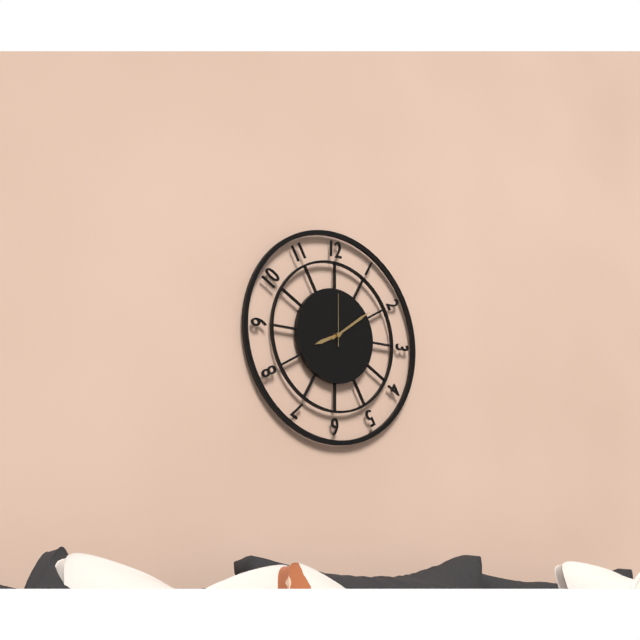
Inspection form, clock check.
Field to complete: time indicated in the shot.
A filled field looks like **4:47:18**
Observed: **8:09:00**
